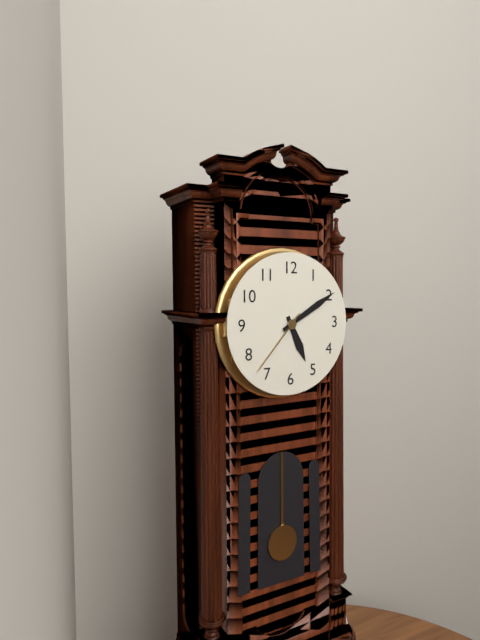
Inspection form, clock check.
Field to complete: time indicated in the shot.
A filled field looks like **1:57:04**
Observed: **5:10:37**
